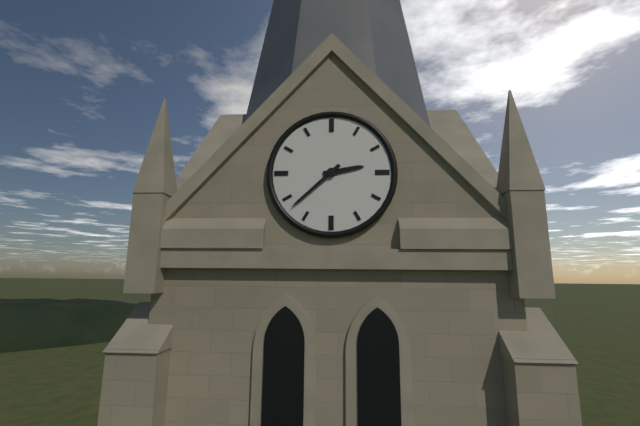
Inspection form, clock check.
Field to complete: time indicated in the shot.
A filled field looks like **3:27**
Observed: **2:38**
